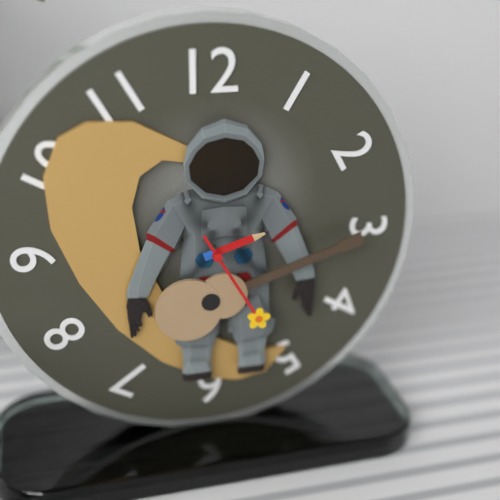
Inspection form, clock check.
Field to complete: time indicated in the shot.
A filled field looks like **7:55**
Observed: **2:25**
